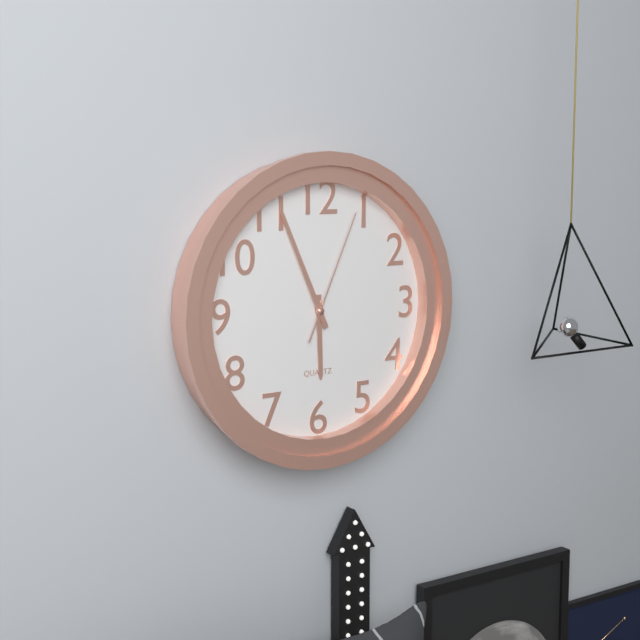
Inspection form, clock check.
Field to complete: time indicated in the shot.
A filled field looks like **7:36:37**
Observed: **5:56:04**
